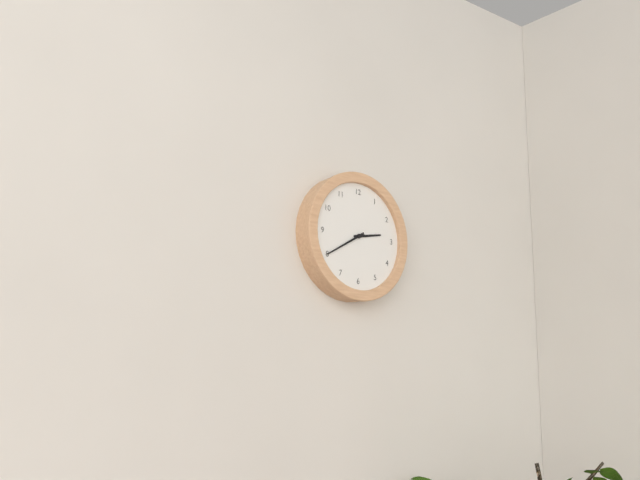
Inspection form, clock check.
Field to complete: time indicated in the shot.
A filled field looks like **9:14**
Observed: **2:40**
